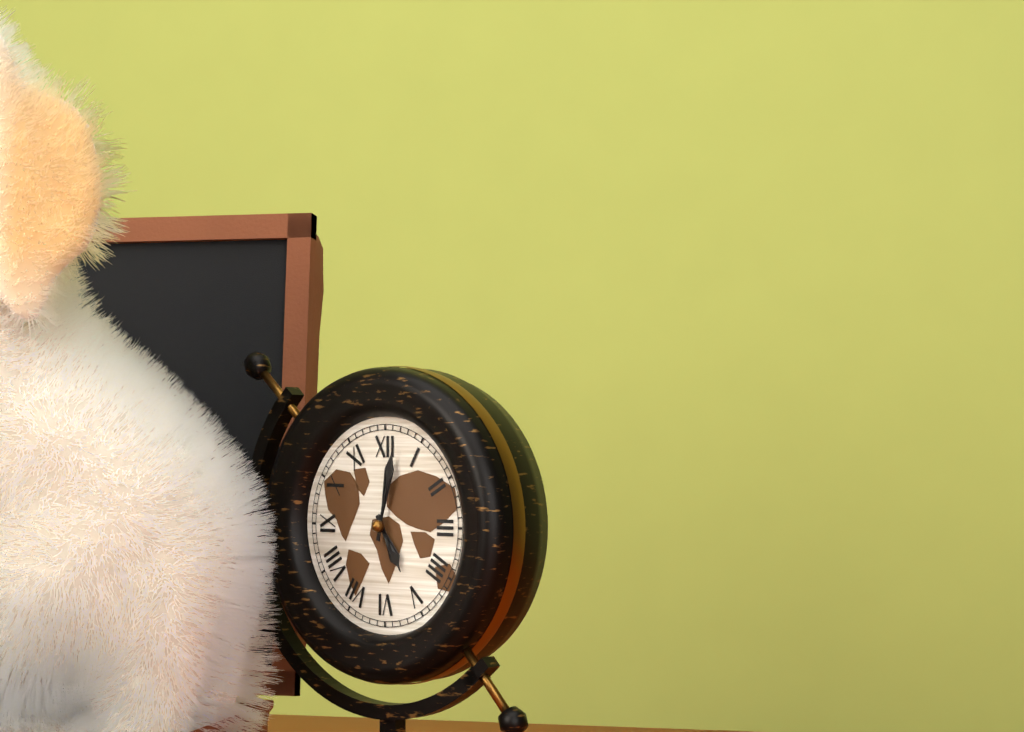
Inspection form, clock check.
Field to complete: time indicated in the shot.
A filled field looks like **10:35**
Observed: **5:02**
